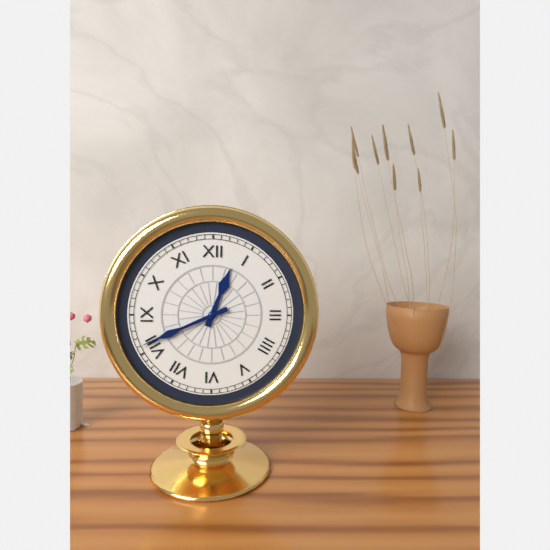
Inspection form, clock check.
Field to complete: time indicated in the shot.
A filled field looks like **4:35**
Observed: **12:41**
